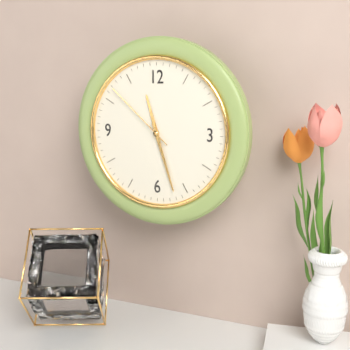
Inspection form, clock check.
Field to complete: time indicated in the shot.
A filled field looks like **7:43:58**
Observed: **11:27:52**
